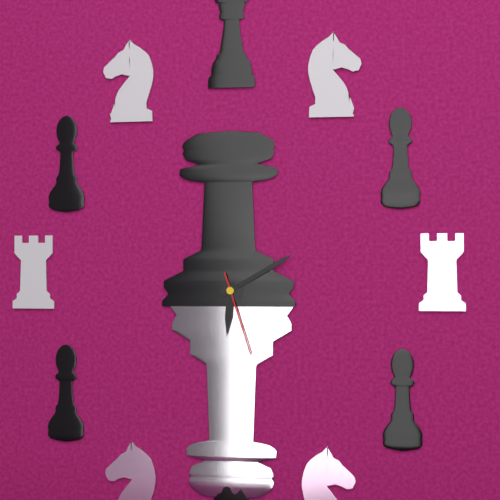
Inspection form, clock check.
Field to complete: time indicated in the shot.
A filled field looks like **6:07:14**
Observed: **6:10:27**
